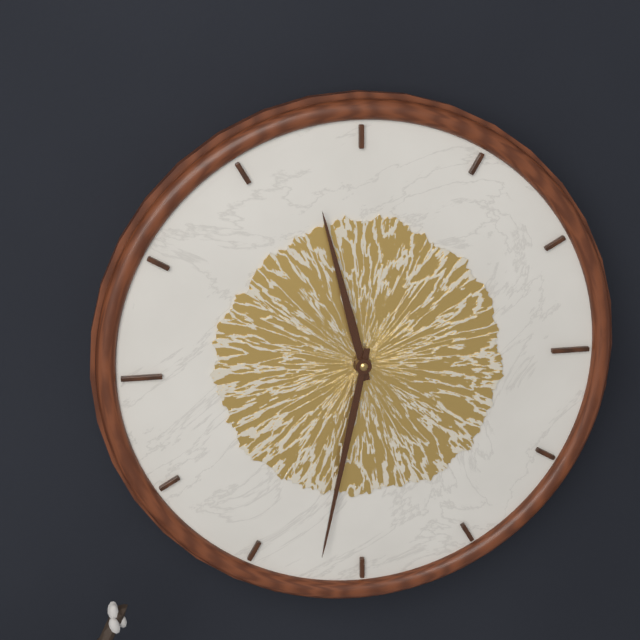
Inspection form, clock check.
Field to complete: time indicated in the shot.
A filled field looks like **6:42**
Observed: **11:32**
